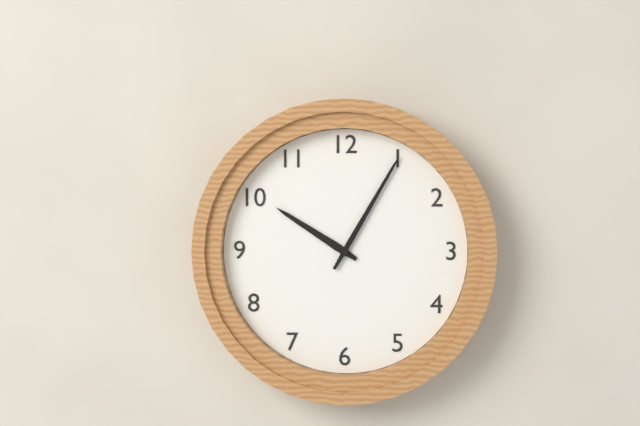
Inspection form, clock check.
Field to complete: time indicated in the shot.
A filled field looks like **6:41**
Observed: **10:05**
